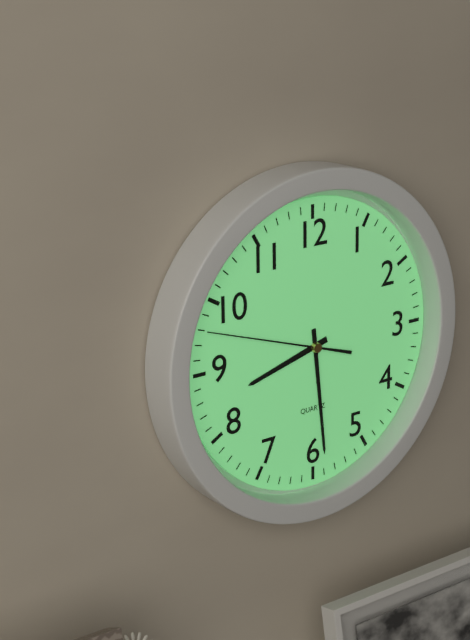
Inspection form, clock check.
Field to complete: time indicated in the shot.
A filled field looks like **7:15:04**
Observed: **8:29:48**
